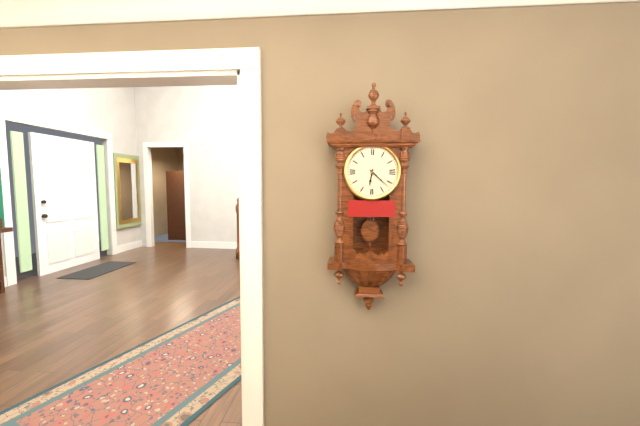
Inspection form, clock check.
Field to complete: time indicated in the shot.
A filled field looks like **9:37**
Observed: **6:22**
